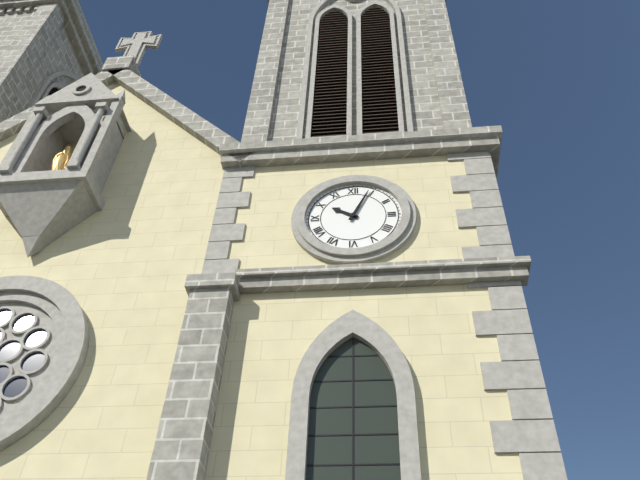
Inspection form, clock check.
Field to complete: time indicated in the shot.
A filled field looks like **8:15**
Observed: **10:04**
